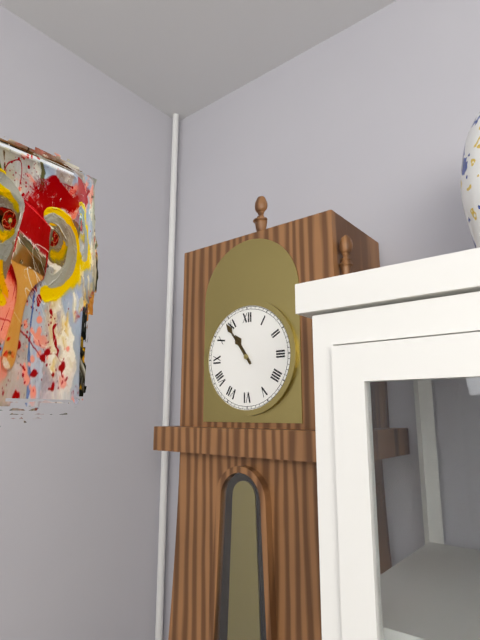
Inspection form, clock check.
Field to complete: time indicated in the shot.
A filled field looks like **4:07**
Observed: **10:54**
